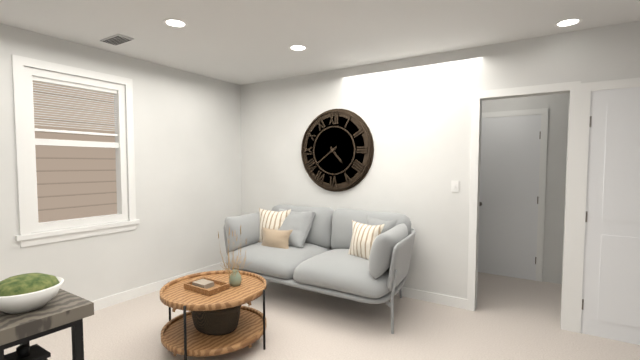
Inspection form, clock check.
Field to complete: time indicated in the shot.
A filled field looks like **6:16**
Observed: **4:39**
